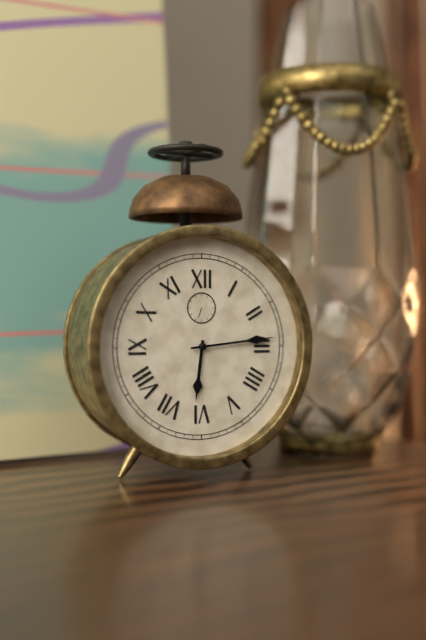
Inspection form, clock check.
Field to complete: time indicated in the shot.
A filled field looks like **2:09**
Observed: **6:14**
